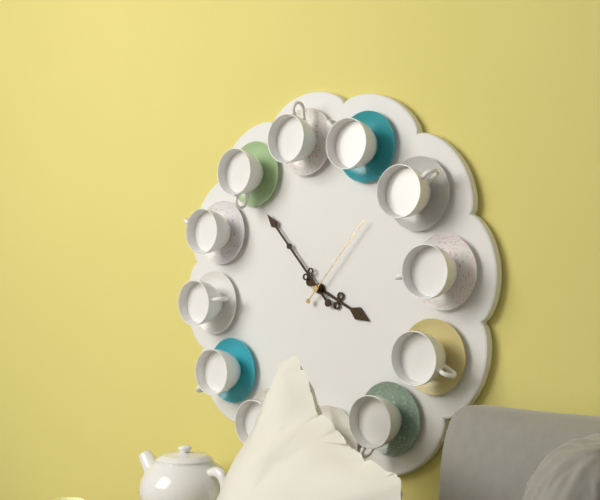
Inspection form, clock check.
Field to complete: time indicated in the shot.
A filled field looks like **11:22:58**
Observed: **3:53:07**
